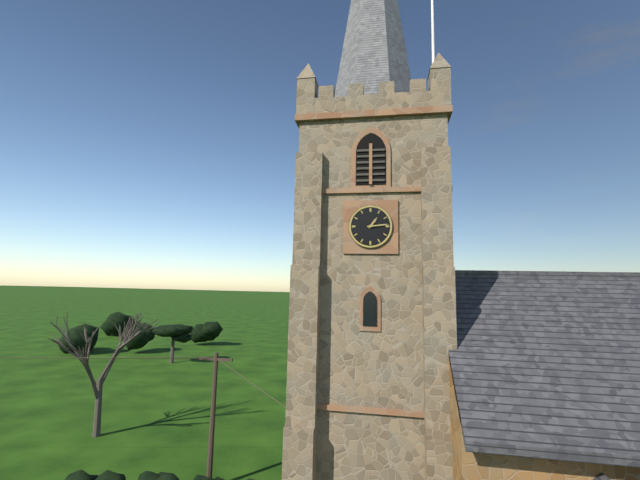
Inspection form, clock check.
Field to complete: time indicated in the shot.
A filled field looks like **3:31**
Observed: **1:14**
